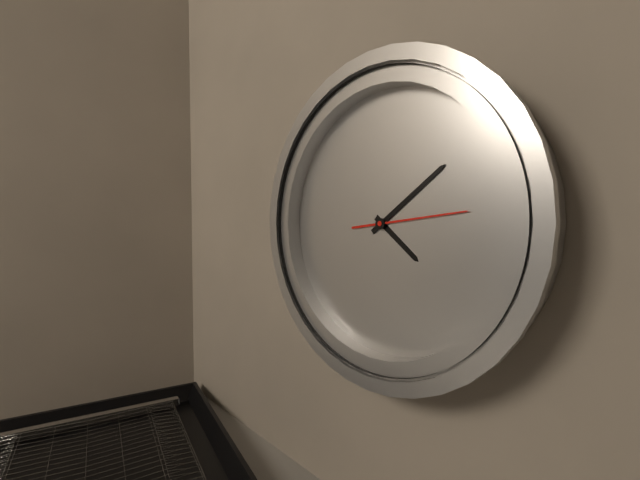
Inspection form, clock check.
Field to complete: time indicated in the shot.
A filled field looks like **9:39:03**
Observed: **4:08:13**
